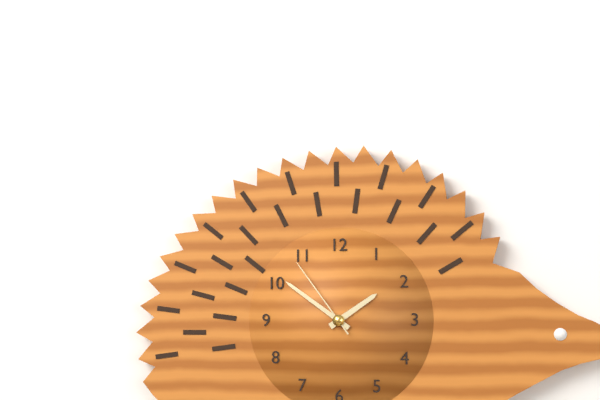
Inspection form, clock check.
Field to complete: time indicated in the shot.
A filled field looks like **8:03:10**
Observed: **1:51:54**
